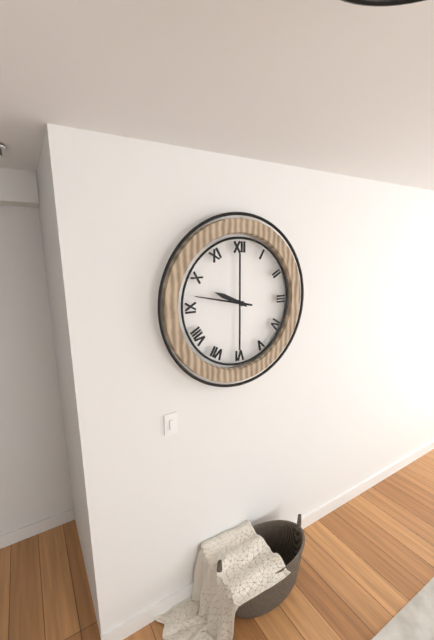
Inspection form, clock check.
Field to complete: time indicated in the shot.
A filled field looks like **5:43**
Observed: **9:47**
